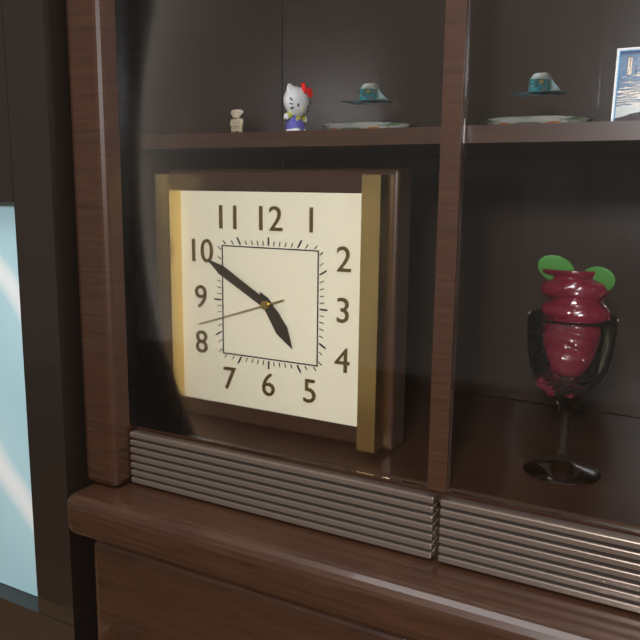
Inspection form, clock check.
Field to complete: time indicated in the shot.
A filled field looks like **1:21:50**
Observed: **4:50:42**
